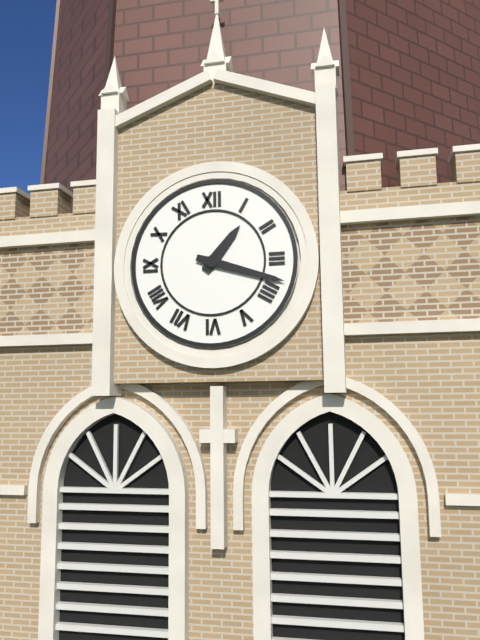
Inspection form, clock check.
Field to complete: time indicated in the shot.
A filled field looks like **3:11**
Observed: **1:18**
